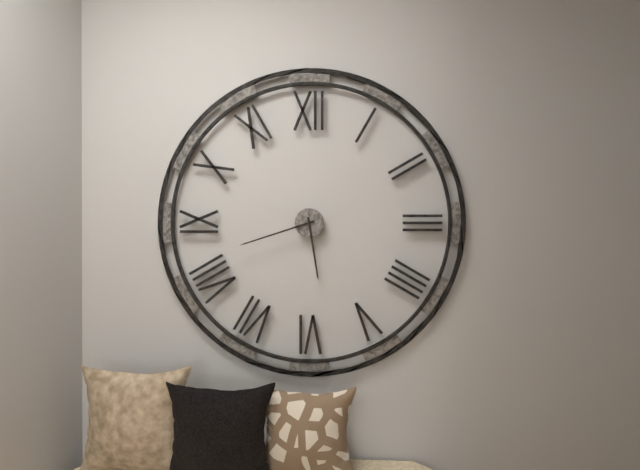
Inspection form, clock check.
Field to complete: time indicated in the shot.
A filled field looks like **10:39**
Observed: **5:42**
